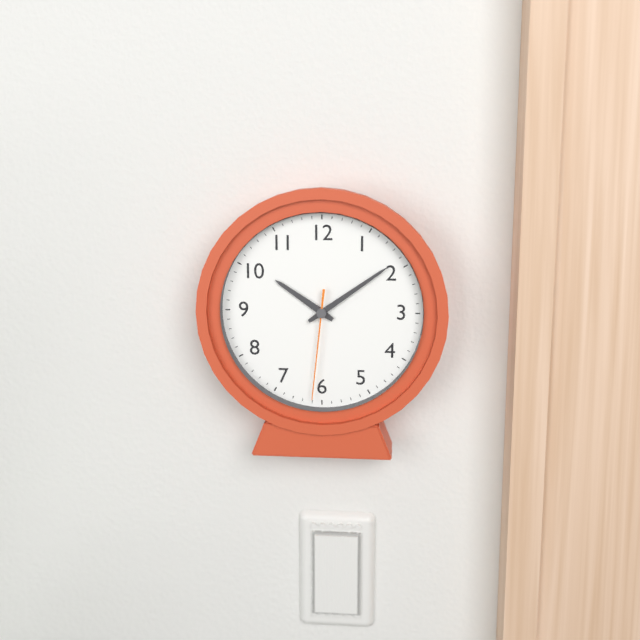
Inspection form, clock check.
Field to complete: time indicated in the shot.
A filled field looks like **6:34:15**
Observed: **10:09:31**
